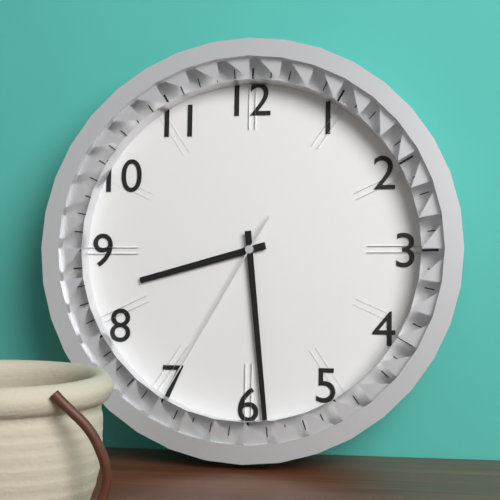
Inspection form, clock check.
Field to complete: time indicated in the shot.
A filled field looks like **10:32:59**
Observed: **8:29:35**
